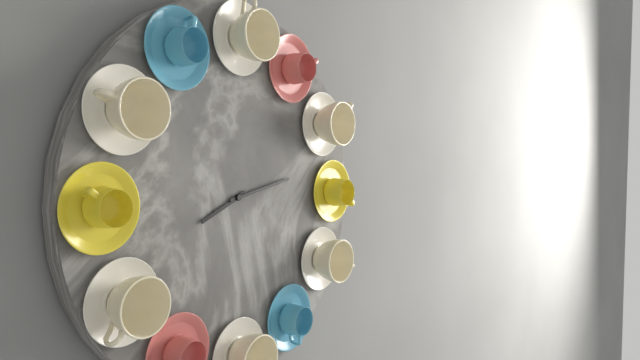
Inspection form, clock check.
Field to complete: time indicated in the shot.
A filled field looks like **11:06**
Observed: **8:13**
